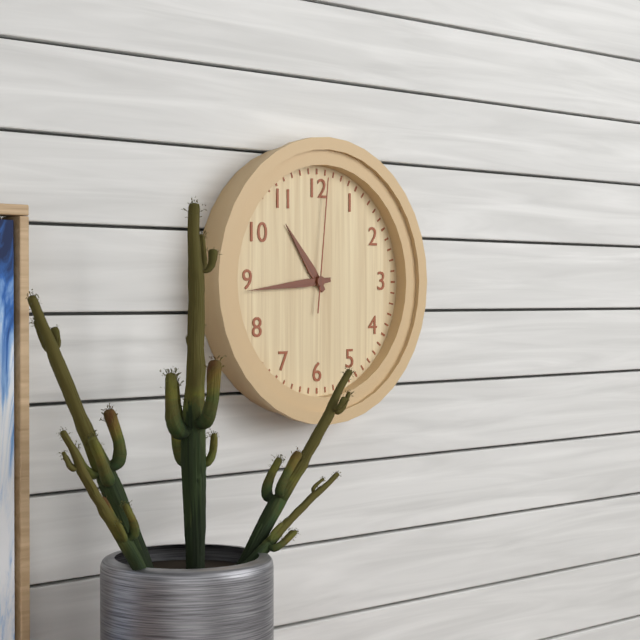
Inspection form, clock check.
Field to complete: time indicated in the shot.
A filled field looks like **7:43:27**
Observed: **10:44:01**
